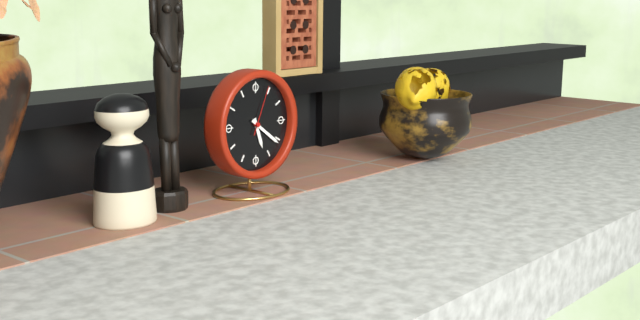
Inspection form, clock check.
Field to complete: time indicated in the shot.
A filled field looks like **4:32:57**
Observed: **5:21:04**
